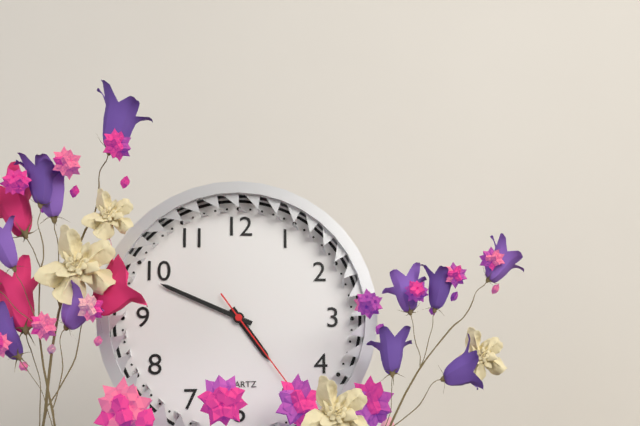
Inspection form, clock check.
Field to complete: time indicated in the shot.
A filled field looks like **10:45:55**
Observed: **4:49:24**
